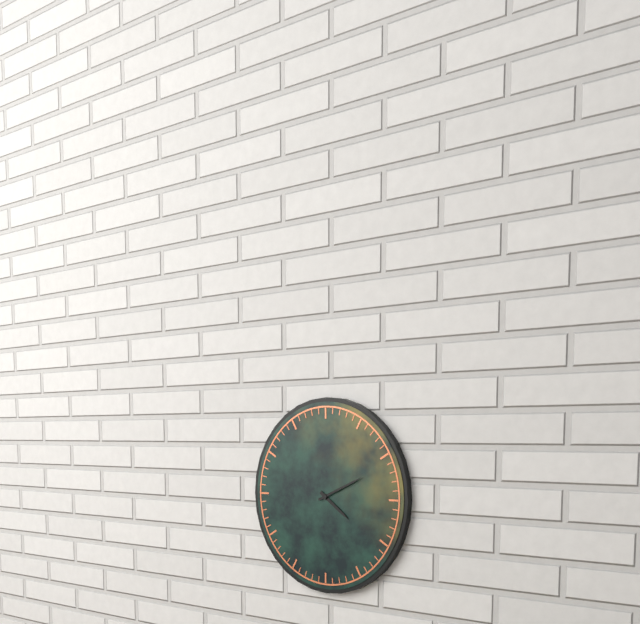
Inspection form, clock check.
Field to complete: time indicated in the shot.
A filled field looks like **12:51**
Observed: **4:11**
